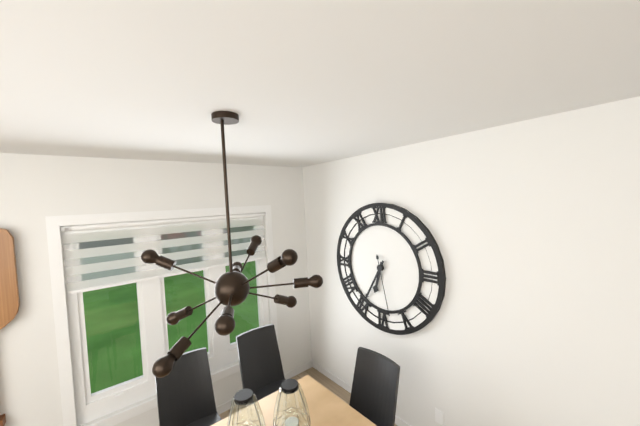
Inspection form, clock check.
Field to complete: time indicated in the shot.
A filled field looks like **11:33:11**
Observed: **6:35:28**
